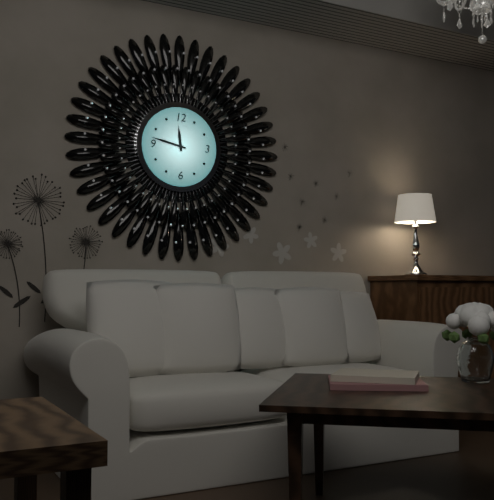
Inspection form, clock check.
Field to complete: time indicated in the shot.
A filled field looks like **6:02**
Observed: **11:47**
